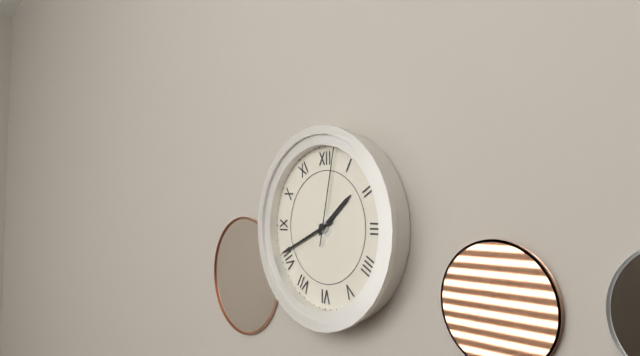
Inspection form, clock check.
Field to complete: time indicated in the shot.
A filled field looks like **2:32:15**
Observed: **1:41:02**
